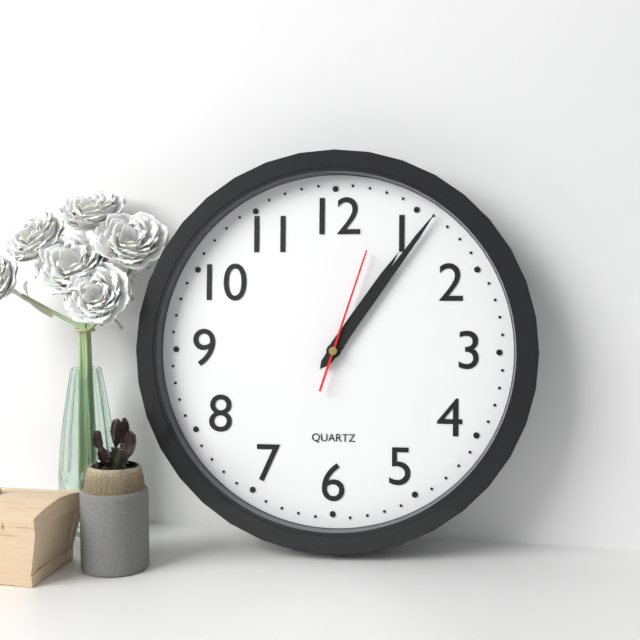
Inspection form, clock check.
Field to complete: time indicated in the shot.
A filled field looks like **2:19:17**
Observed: **1:06:03**
